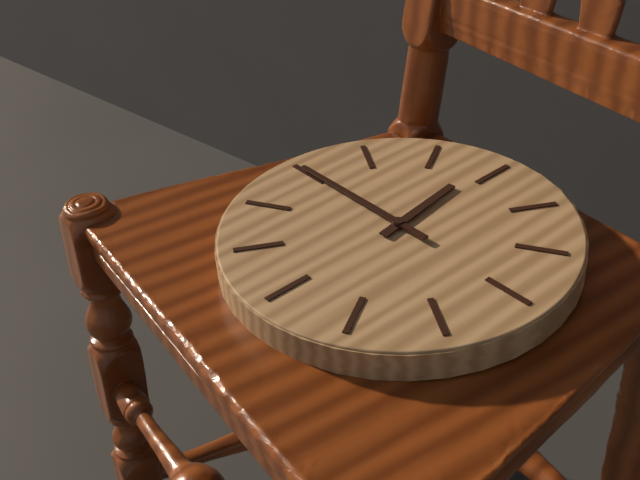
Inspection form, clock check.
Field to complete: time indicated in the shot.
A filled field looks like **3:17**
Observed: **11:45**
